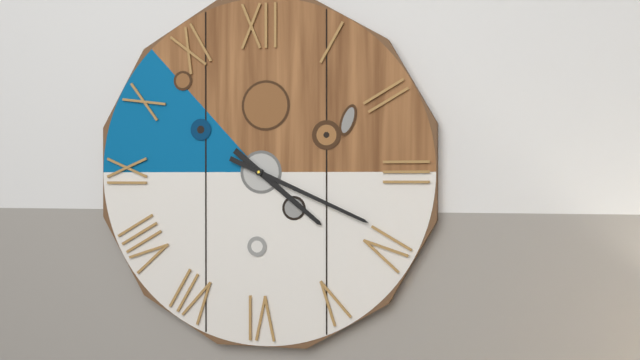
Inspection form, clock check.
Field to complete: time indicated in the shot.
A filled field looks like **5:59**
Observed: **4:19**
